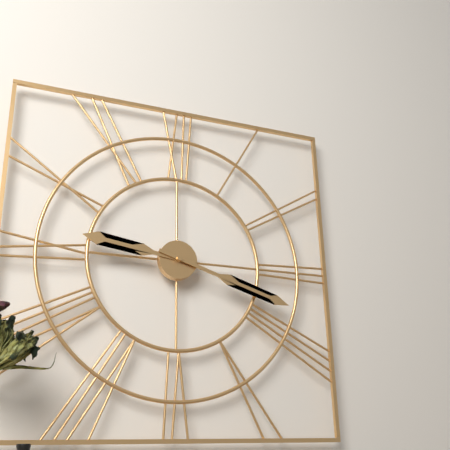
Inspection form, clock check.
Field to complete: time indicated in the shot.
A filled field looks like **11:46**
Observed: **9:18**
